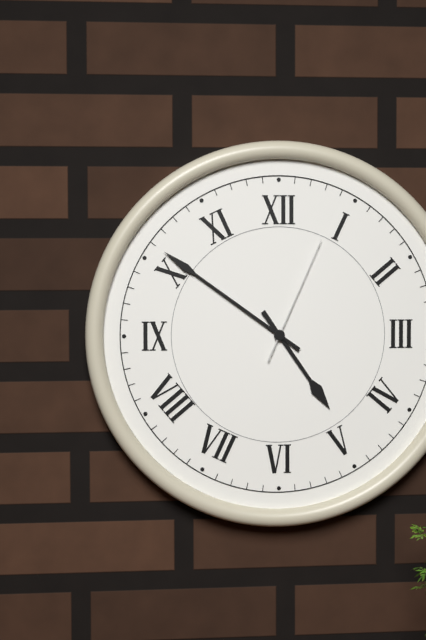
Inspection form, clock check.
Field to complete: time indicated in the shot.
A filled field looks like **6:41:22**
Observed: **4:51:04**
